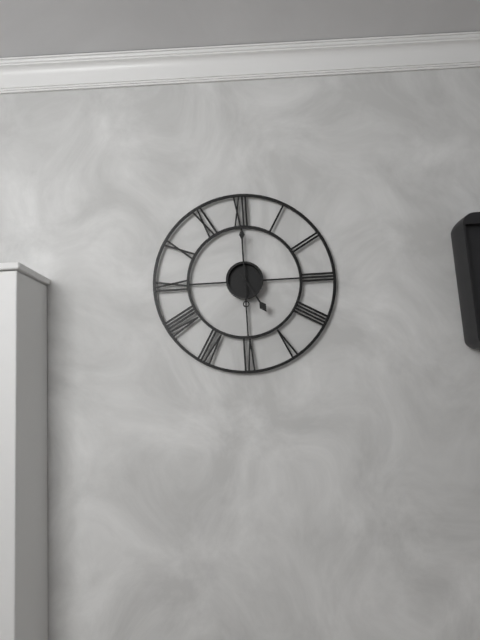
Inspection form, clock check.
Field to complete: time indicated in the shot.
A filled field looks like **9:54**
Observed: **5:00**
